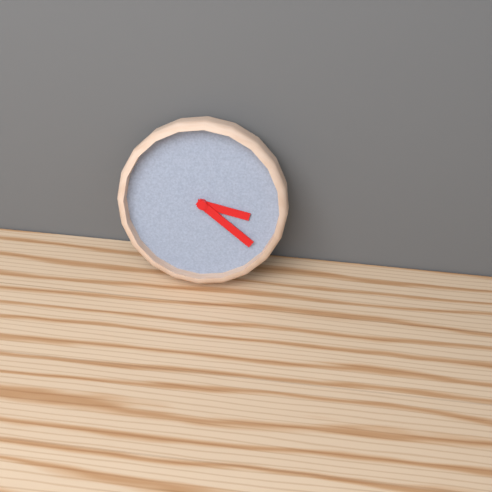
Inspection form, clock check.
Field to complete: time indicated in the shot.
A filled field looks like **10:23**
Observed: **3:21**
